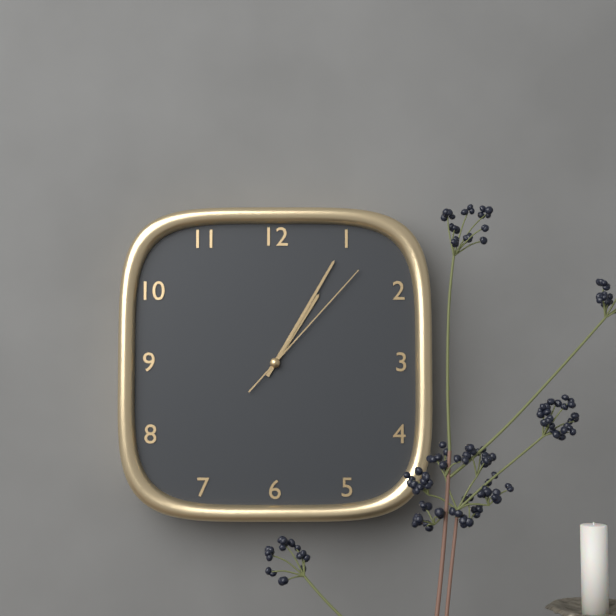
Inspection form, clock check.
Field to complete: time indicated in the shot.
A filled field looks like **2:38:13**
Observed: **1:05:07**
